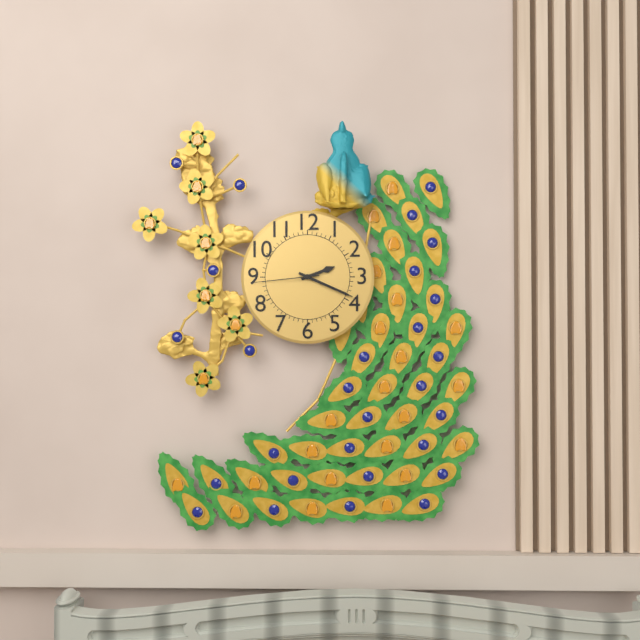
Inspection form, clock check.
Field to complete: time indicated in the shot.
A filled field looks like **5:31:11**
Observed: **2:19:44**
